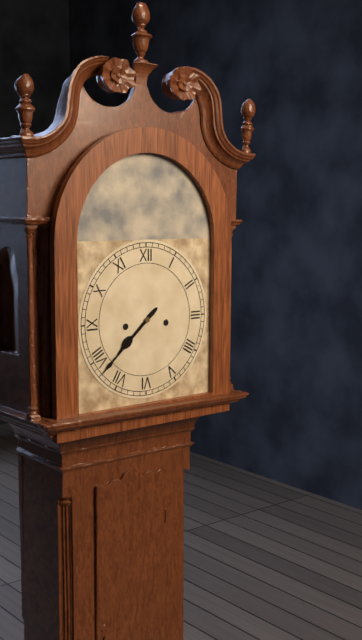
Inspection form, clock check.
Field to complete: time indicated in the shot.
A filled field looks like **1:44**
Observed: **7:38**
